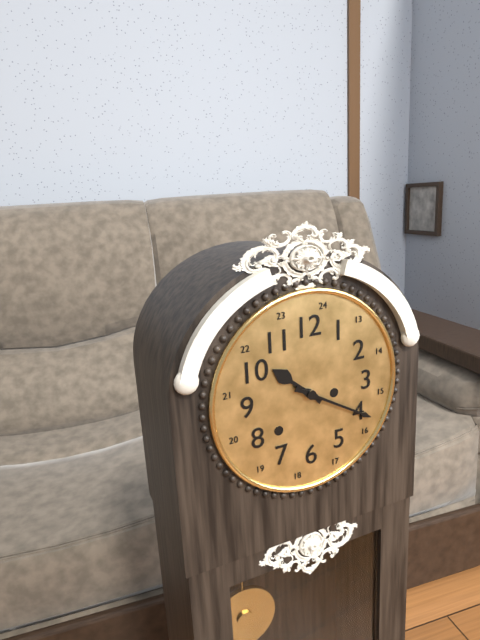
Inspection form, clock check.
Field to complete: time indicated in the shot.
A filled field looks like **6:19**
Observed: **10:20**
